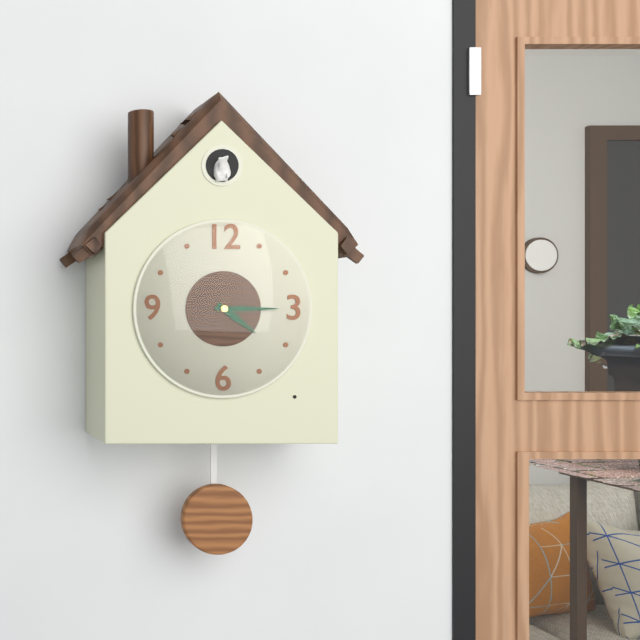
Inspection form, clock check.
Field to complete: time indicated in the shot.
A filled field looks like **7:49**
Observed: **4:15**
